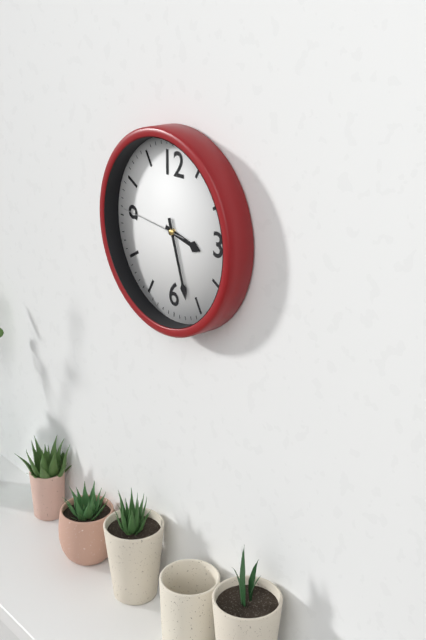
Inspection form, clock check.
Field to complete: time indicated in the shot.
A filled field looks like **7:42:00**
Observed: **3:27:46**
